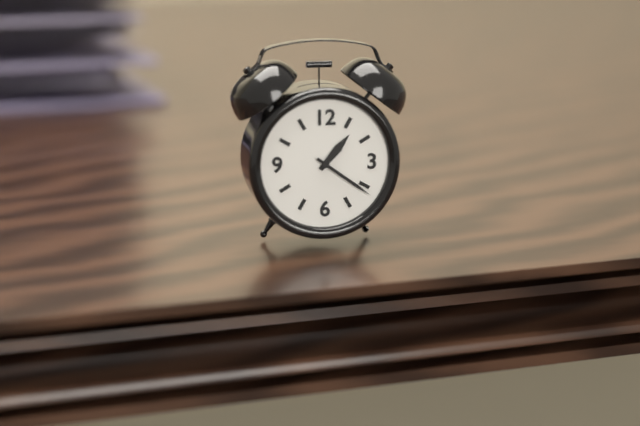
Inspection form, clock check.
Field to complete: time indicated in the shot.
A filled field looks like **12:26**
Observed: **1:21**
